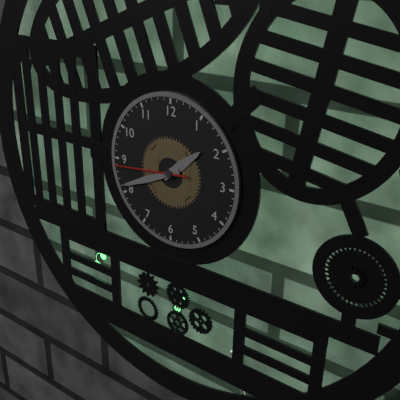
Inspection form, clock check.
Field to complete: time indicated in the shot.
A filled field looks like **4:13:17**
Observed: **1:41:44**
